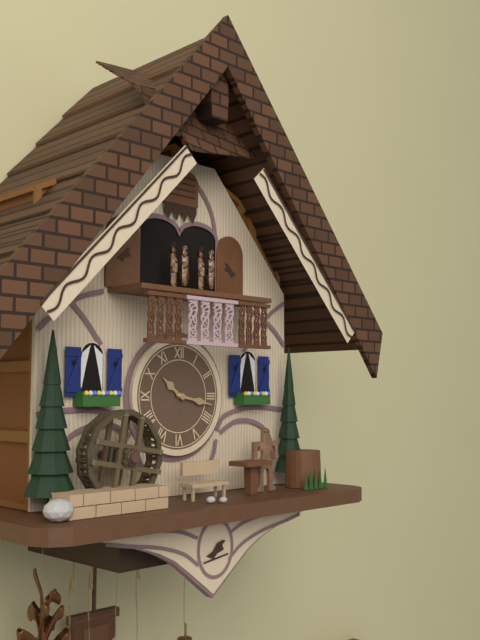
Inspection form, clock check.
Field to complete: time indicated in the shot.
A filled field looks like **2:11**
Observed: **10:17**
